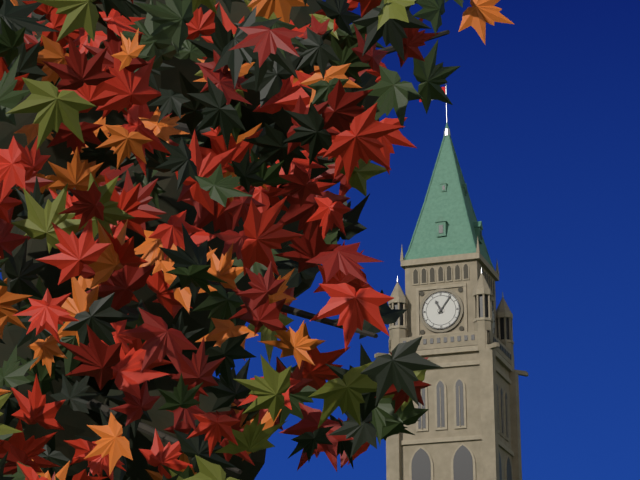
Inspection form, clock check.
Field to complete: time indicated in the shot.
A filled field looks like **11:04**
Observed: **11:06**
